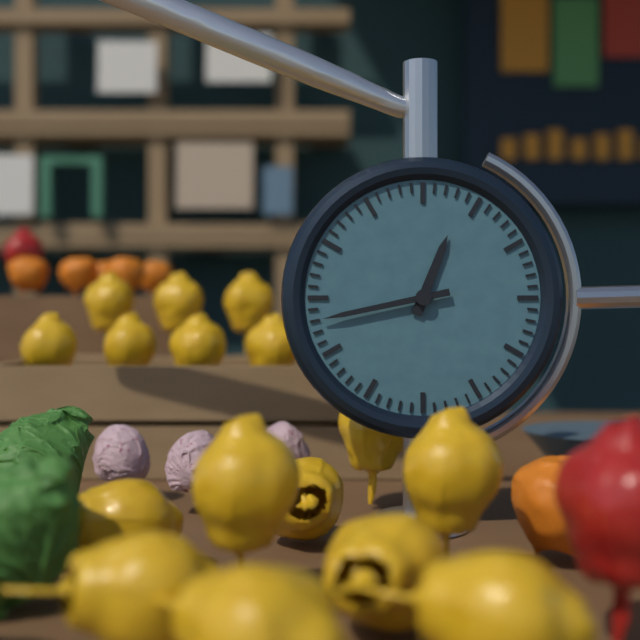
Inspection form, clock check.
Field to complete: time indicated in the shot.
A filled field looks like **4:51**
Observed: **12:43**
